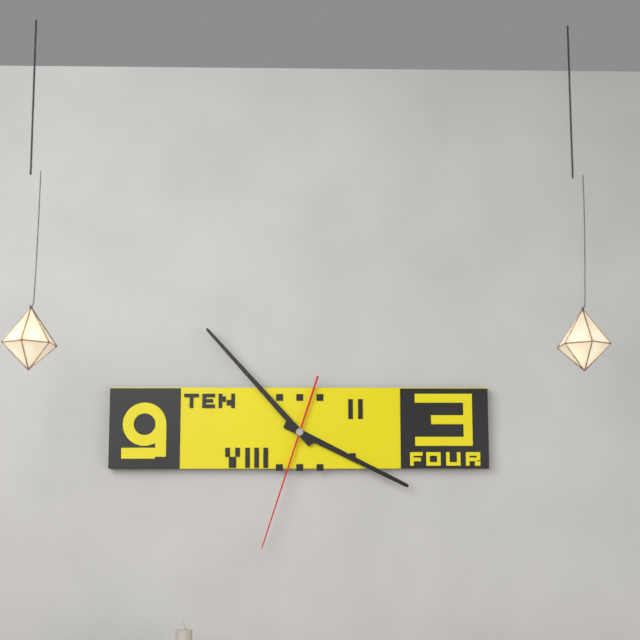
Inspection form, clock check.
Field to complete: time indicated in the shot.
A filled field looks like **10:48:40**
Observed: **3:53:33**
